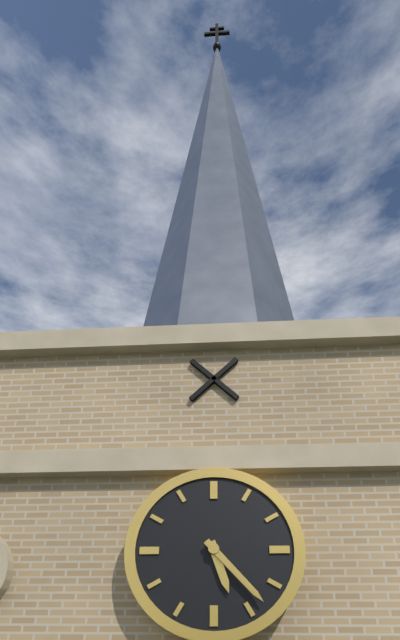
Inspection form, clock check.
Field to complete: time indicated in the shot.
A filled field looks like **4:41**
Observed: **5:23**
